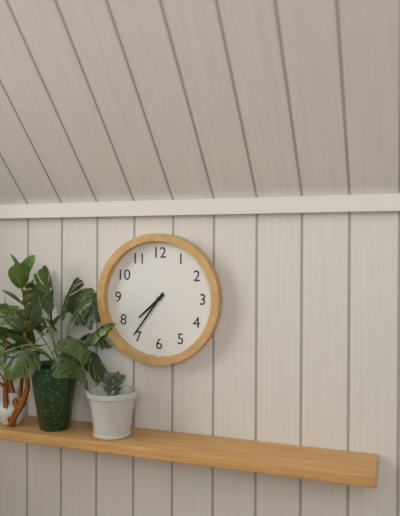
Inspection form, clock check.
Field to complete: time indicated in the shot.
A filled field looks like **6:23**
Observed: **7:36**
